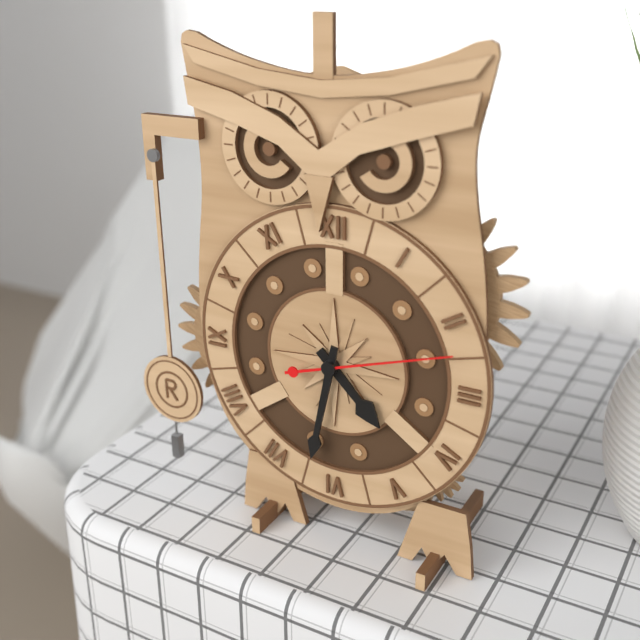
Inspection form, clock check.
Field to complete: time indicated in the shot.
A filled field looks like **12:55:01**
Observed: **4:32:12**
